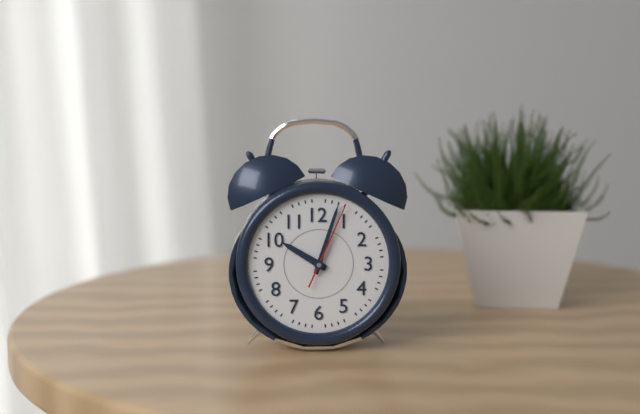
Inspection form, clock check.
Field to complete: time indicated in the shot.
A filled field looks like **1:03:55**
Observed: **10:03:04**
